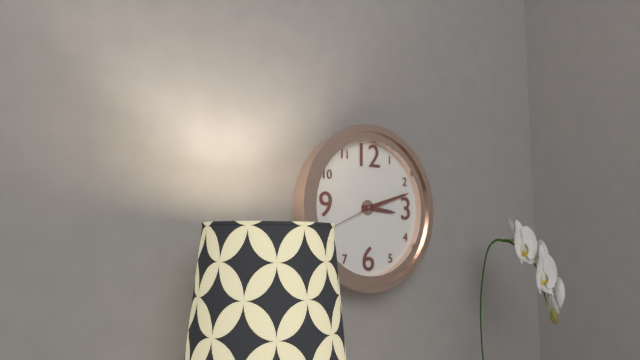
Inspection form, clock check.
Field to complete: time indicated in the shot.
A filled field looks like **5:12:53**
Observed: **3:12:41**
